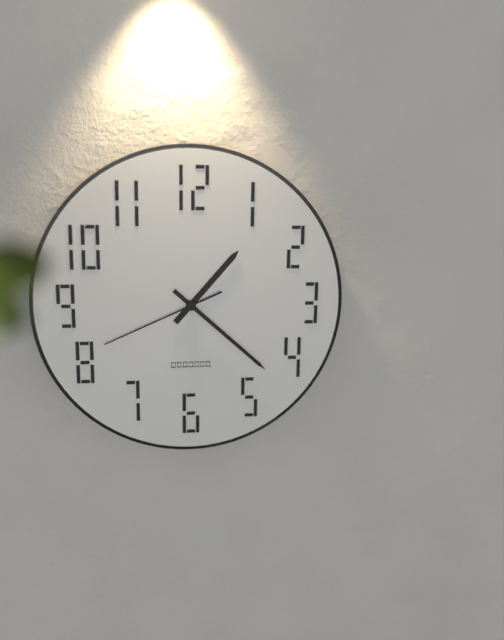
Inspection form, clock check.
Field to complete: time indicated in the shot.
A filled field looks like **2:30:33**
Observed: **1:22:41**
